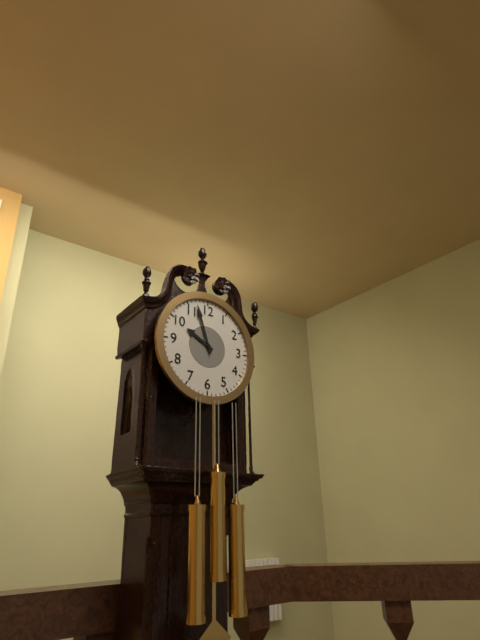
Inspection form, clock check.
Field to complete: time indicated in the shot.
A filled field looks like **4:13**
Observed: **9:57**
